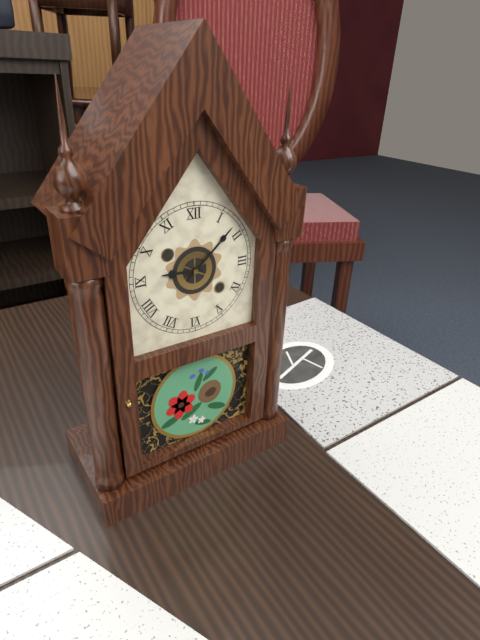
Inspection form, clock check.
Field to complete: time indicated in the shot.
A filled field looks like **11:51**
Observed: **9:08**
